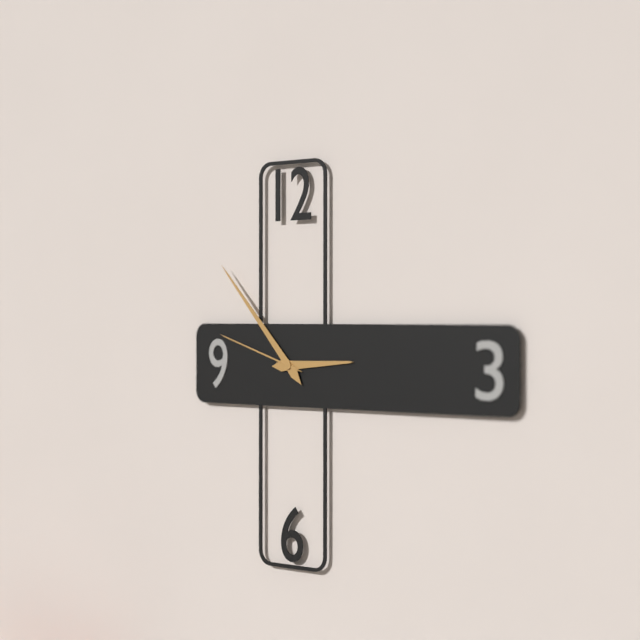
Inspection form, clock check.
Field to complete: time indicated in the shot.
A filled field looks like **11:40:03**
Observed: **2:53:48**
